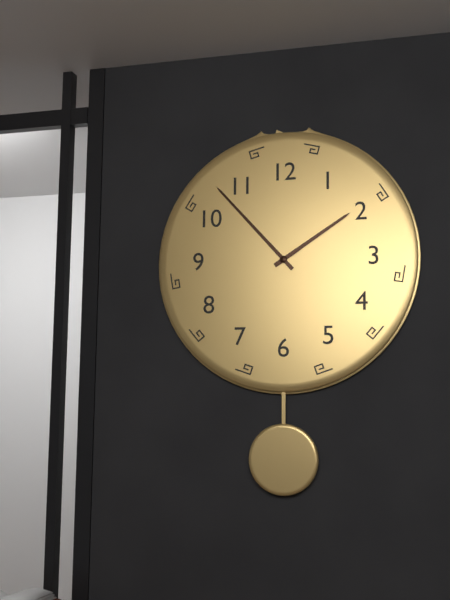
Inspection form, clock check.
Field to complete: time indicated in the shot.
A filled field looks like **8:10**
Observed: **1:53**
